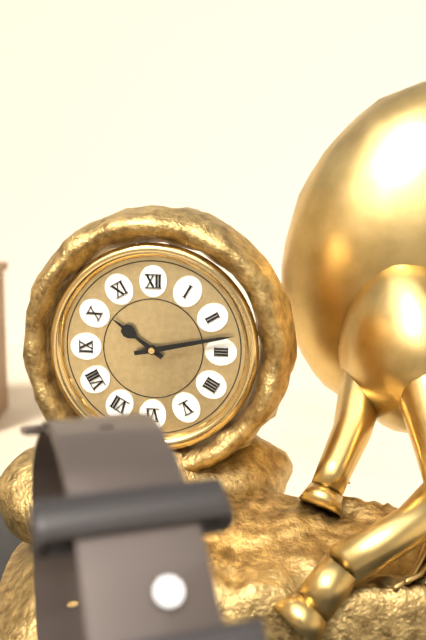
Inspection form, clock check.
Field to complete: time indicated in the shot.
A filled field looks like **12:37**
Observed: **10:13**
